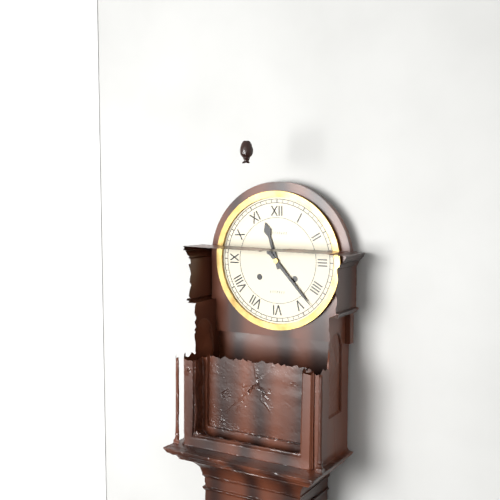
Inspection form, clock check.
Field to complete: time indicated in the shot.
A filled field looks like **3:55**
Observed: **11:23**
